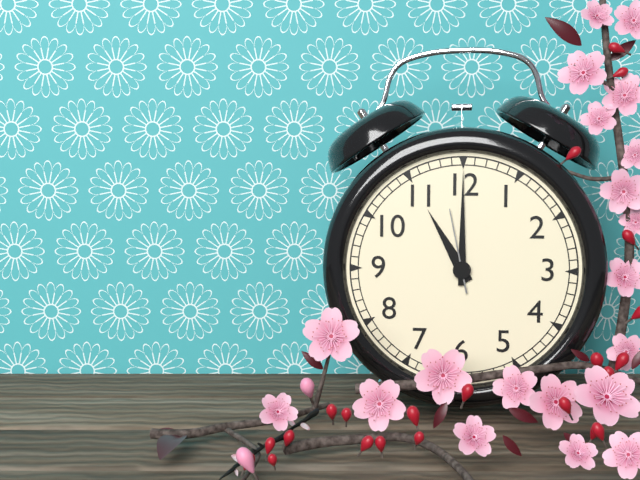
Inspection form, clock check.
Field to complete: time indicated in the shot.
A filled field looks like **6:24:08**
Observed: **11:00:58**
